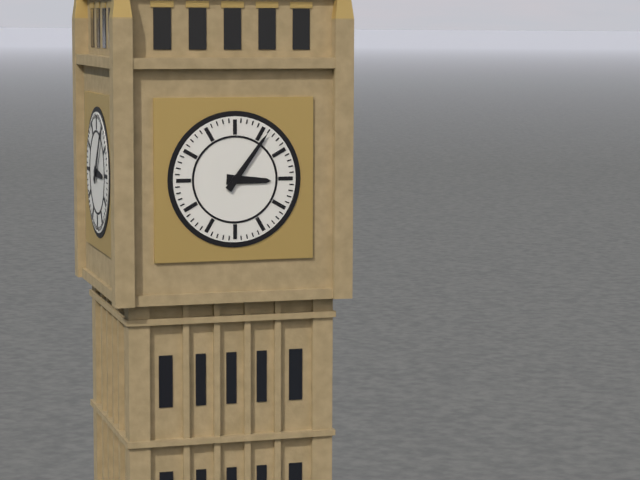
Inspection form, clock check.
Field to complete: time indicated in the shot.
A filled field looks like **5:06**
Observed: **3:06**
